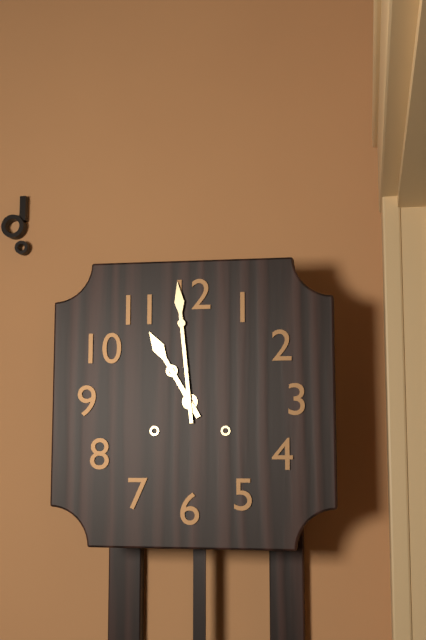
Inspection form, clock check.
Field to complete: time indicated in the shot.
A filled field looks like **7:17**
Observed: **10:59**
